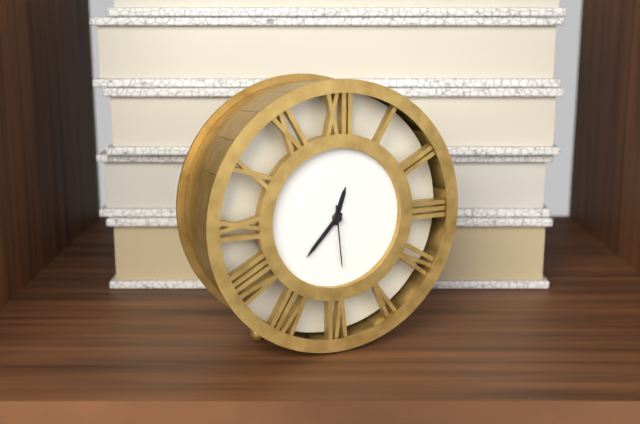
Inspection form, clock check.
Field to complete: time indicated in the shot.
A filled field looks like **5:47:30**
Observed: **12:37:29**
